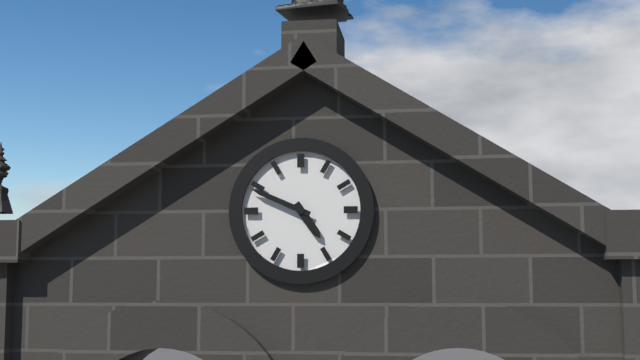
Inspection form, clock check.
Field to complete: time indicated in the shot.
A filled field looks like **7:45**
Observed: **4:49**
